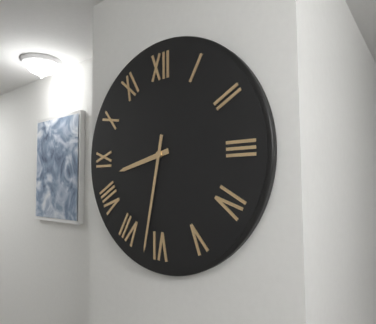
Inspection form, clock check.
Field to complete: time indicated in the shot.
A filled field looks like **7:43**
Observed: **8:32**
